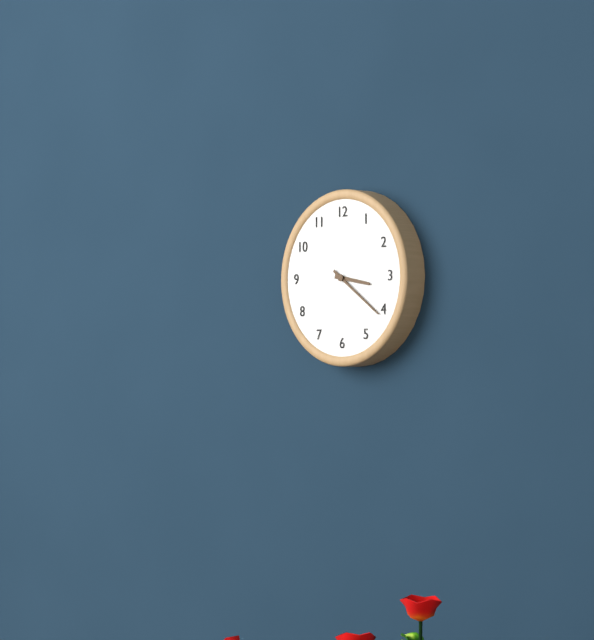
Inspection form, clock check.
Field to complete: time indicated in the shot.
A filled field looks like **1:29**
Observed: **3:21**
